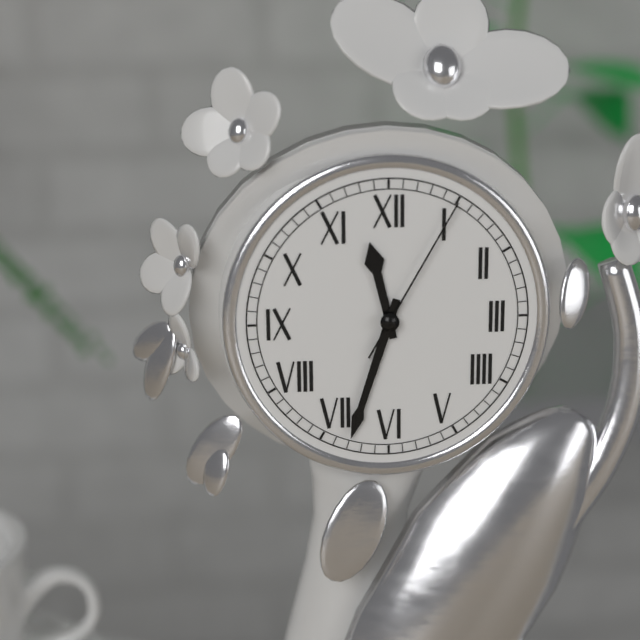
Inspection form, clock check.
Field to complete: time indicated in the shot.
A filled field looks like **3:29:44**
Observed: **11:33:05**
